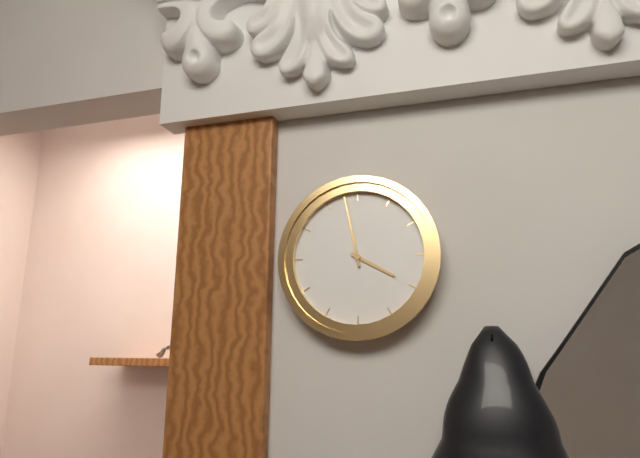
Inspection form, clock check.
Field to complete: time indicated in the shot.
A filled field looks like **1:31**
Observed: **3:58**
